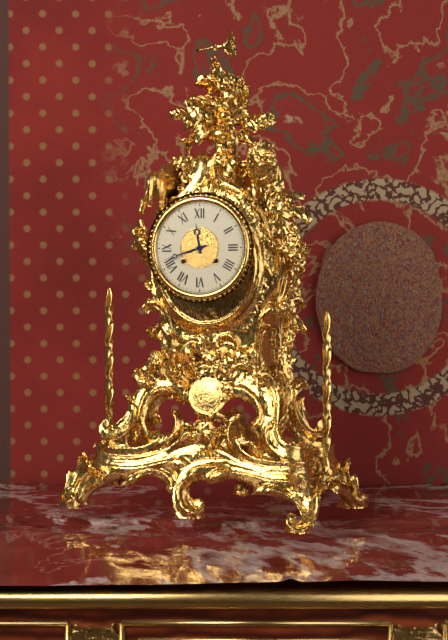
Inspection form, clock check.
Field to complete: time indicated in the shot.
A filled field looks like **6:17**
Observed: **11:42**
